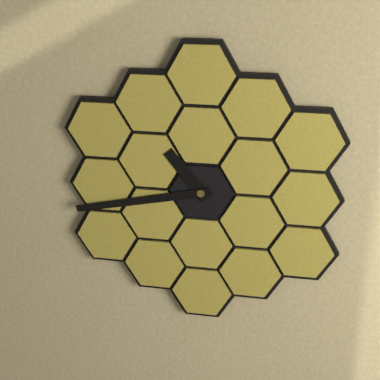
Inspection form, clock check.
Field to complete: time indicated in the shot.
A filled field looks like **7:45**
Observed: **10:43**
